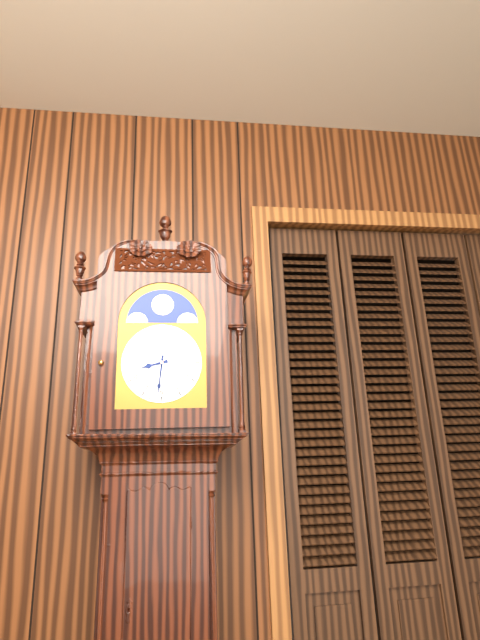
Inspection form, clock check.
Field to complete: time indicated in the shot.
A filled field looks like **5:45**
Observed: **8:31**
